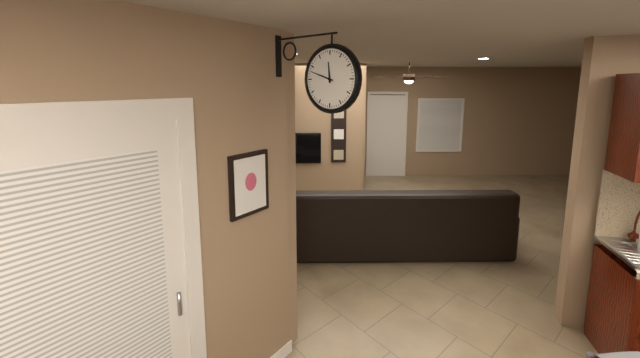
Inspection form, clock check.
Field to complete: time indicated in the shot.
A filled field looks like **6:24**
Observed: **11:48**
